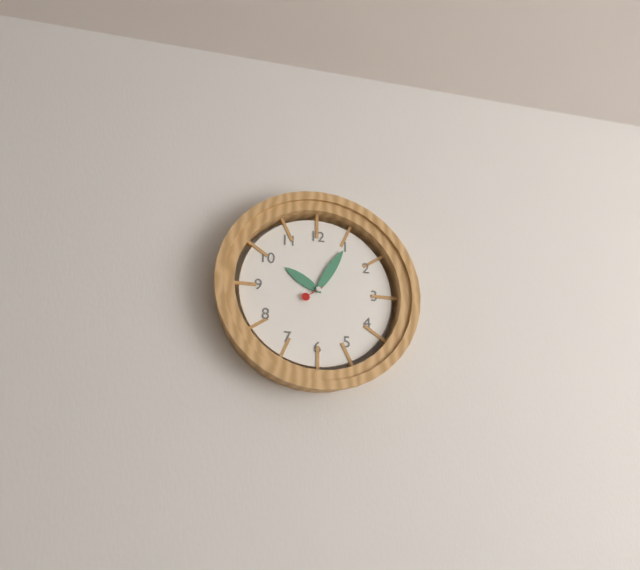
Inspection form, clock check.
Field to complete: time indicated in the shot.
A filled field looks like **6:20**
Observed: **10:05**
